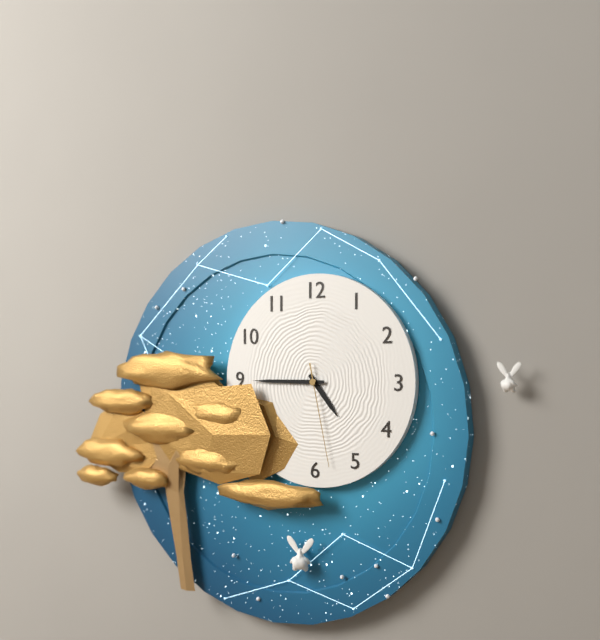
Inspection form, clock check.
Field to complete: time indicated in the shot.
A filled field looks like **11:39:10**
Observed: **4:45:28**
